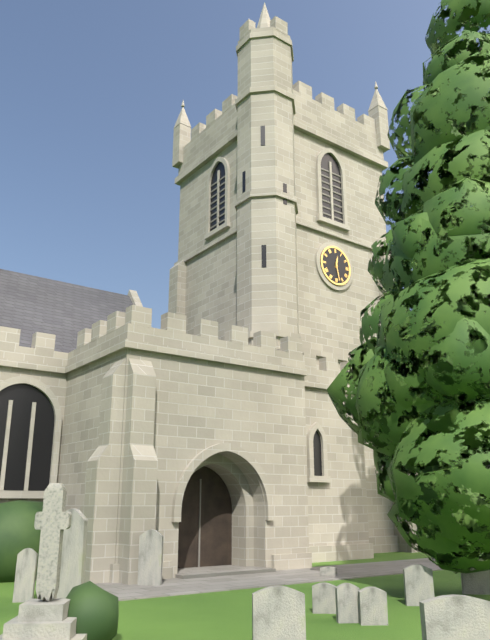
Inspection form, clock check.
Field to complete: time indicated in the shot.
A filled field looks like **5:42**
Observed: **12:28**
